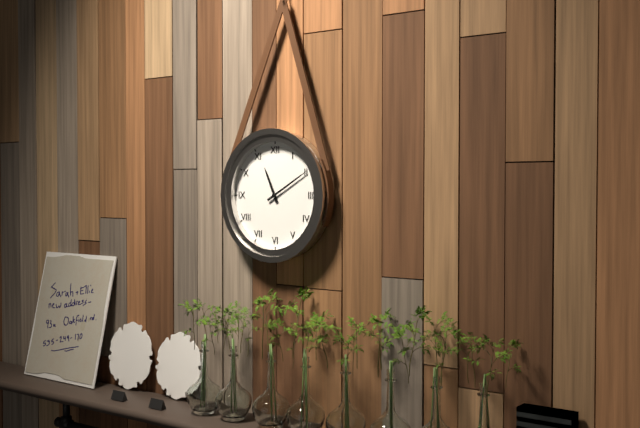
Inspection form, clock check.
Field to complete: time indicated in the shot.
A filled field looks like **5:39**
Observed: **11:10**
